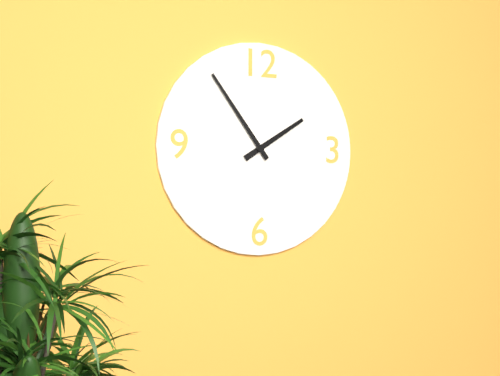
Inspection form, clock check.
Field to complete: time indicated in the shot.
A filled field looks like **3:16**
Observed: **1:54**
